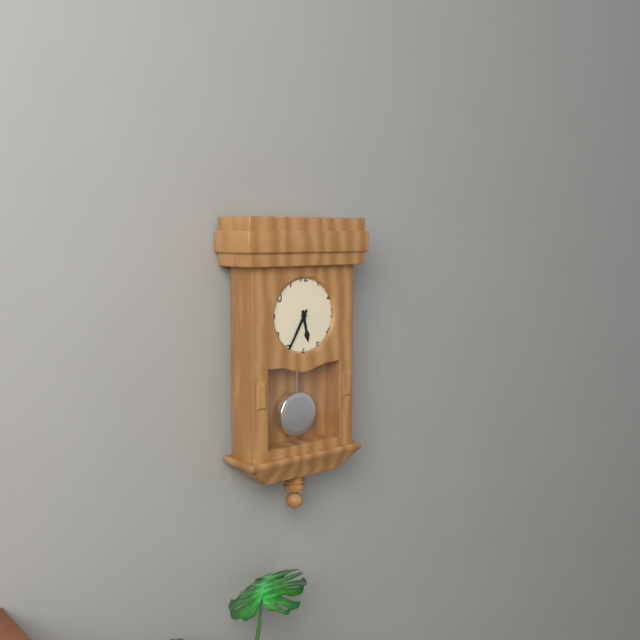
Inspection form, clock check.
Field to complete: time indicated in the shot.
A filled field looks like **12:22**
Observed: **5:35**
